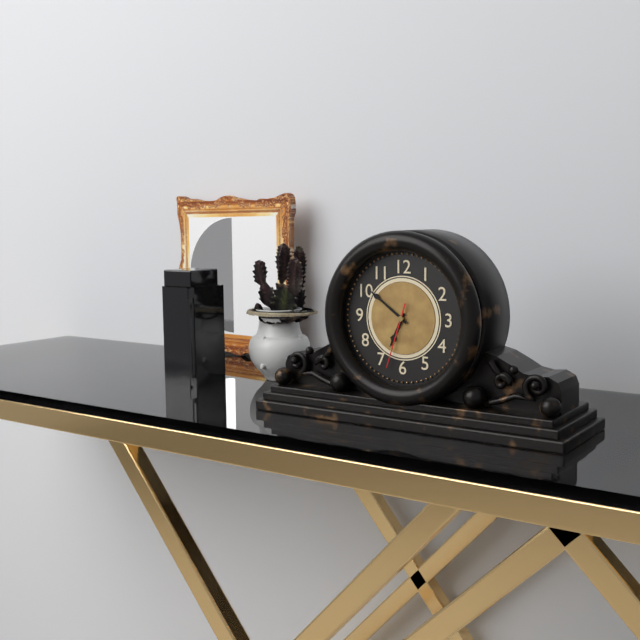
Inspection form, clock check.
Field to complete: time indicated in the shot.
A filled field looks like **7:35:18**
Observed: **6:51:33**
